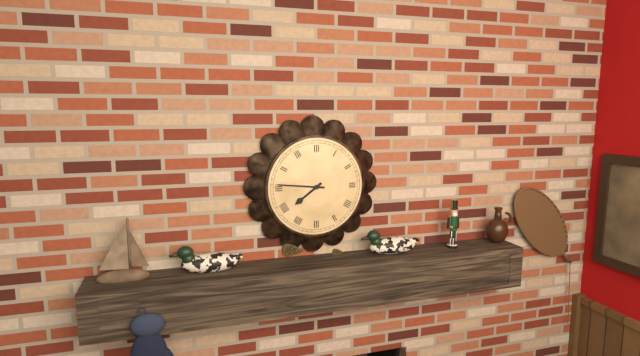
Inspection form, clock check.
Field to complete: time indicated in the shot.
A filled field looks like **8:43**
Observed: **7:46**
